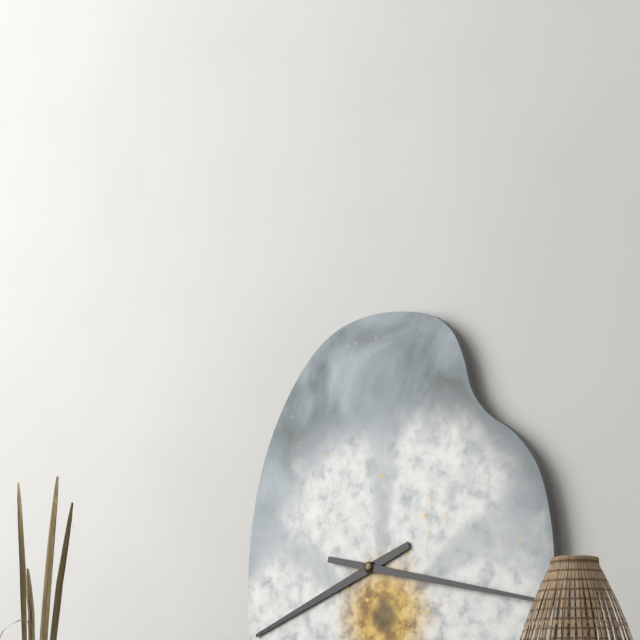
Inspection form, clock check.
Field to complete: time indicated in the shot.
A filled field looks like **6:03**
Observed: **8:17**
